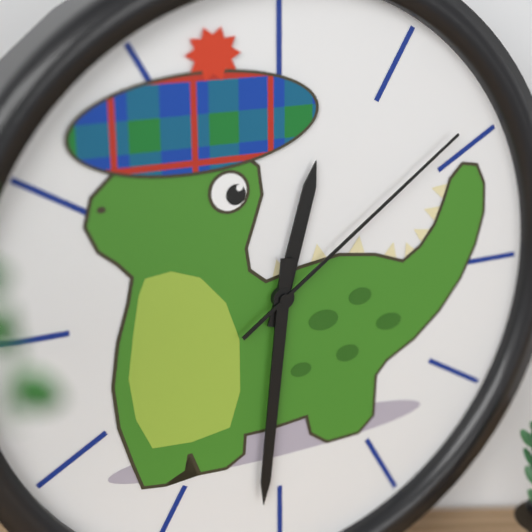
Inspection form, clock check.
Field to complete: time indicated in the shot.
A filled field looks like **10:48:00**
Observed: **12:31:09**
